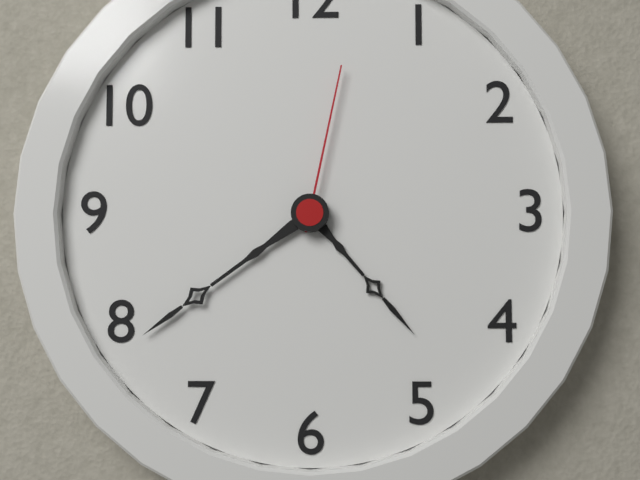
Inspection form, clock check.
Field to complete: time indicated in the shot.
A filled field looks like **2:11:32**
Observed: **4:39:02**
